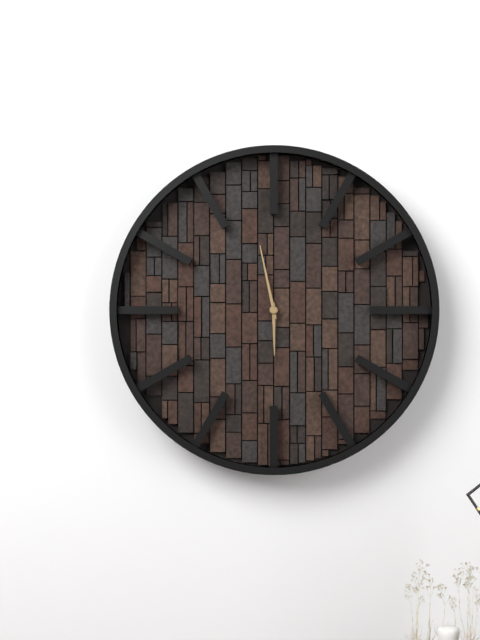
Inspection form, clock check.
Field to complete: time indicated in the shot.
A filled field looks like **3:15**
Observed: **5:58**
